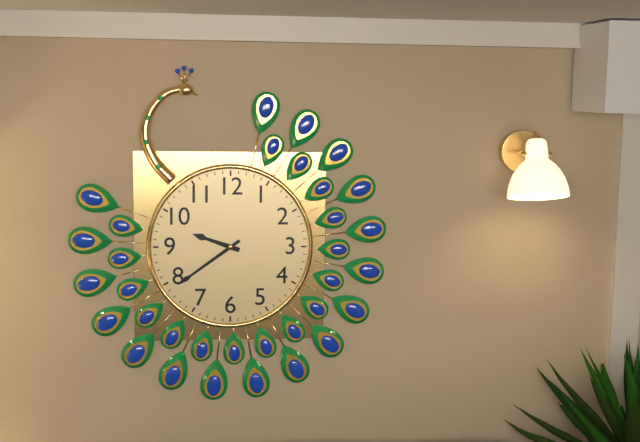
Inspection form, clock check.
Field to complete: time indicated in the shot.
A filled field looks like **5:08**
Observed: **9:39**
